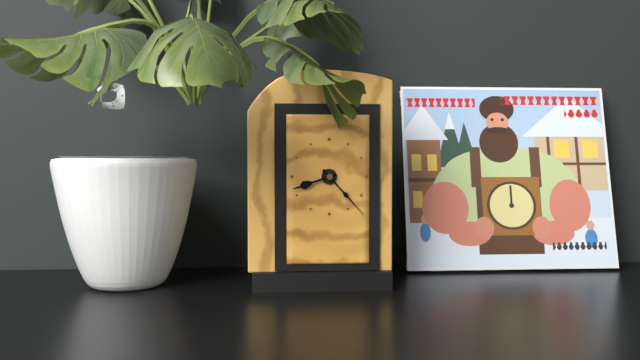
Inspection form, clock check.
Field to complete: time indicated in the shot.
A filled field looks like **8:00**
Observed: **8:23**
